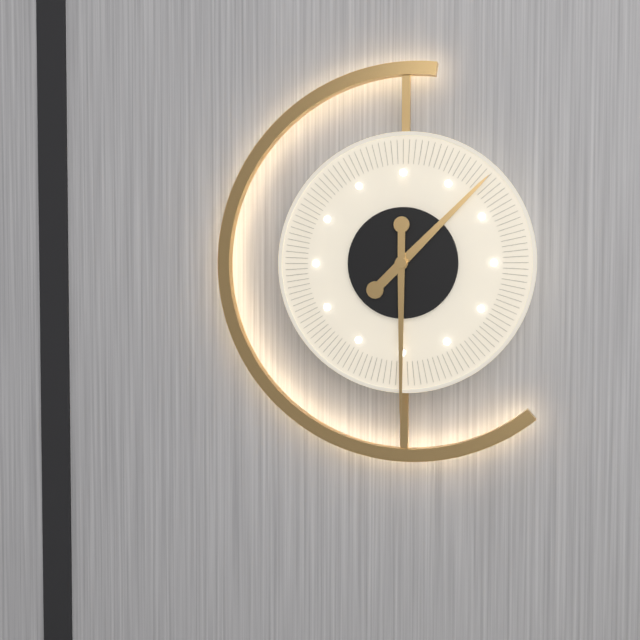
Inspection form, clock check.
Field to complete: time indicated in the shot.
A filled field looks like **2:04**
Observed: **1:30**
